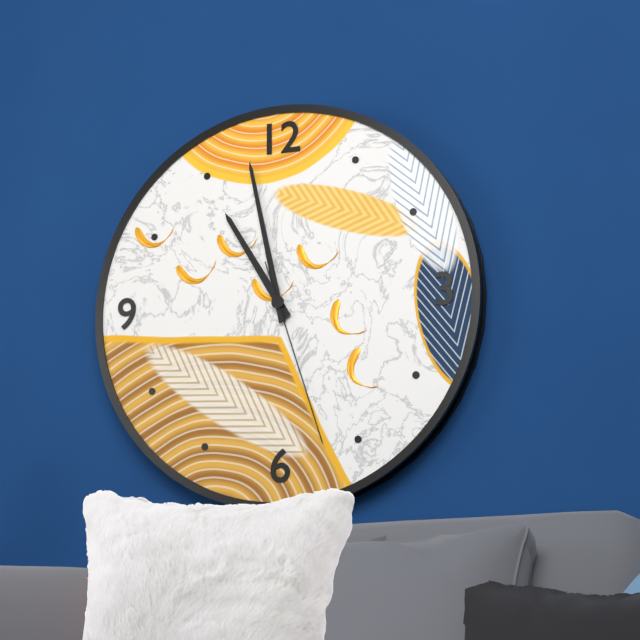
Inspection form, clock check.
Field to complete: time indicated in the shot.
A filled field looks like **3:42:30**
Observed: **10:58:27**
